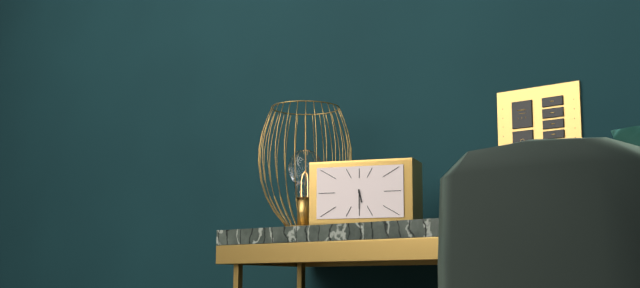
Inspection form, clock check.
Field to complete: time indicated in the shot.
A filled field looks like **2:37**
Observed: **5:30**
